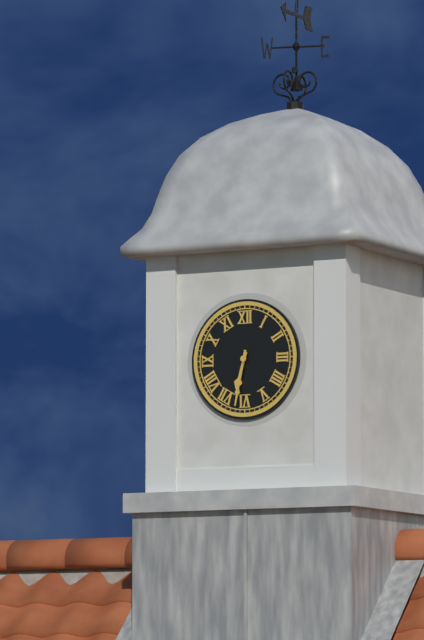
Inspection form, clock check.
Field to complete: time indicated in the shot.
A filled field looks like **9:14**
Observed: **6:32**
